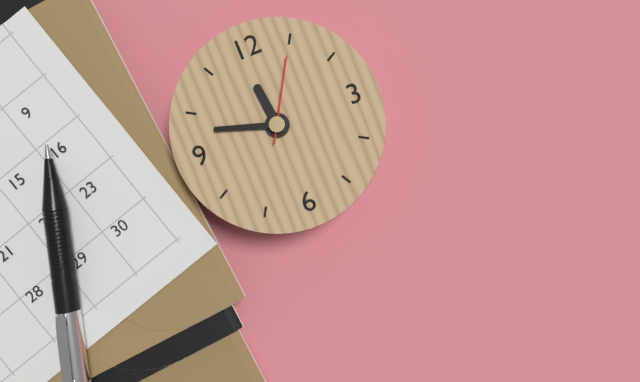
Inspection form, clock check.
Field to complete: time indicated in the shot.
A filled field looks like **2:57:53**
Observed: **11:48:05**
